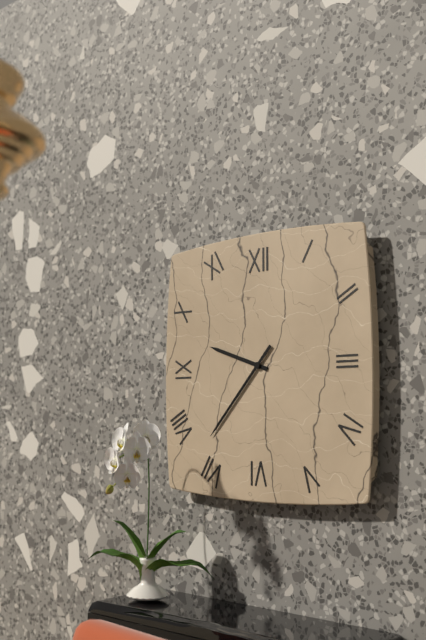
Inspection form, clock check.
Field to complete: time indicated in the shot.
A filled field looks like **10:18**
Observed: **9:37**
